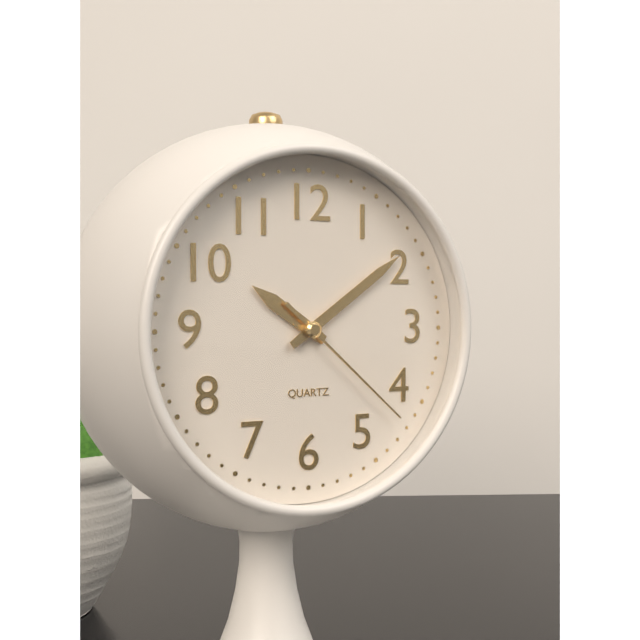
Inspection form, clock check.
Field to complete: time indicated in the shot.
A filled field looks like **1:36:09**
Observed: **10:09:22**
